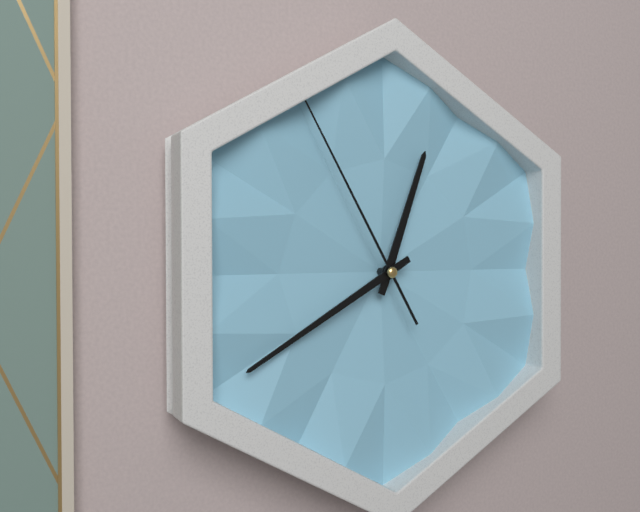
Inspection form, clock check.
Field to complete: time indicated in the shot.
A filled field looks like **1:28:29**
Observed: **12:40:55**
